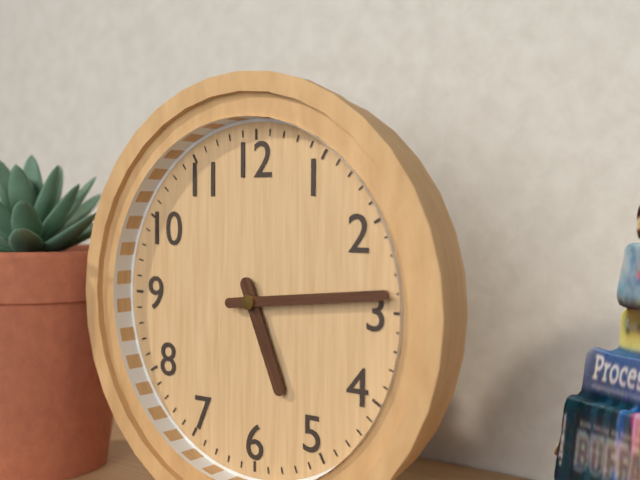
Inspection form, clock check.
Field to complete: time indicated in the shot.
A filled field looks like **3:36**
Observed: **5:14**
